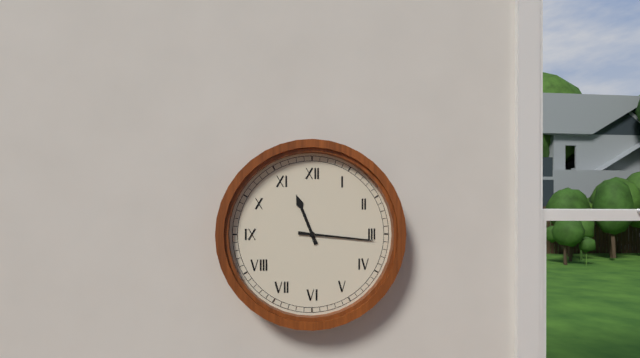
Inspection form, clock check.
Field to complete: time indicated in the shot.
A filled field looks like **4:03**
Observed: **11:16**
